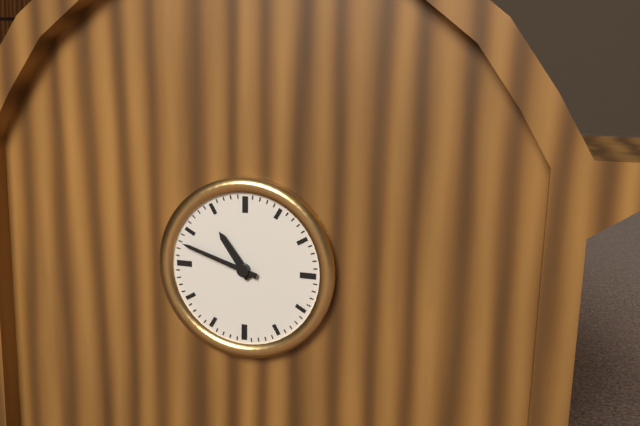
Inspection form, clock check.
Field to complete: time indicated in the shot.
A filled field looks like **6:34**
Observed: **10:48**
